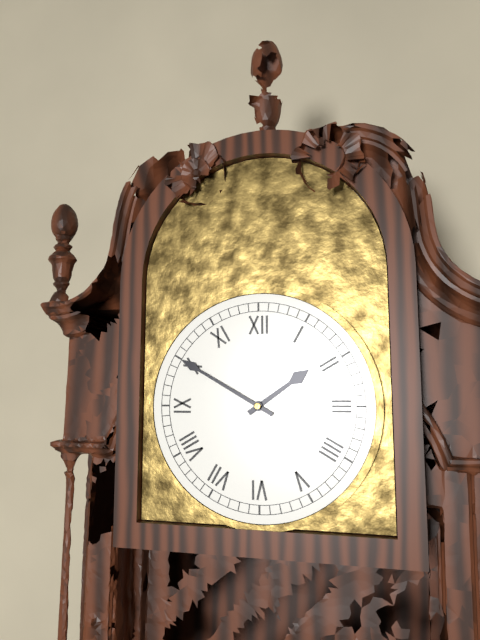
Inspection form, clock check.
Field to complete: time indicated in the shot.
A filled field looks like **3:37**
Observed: **1:50**
